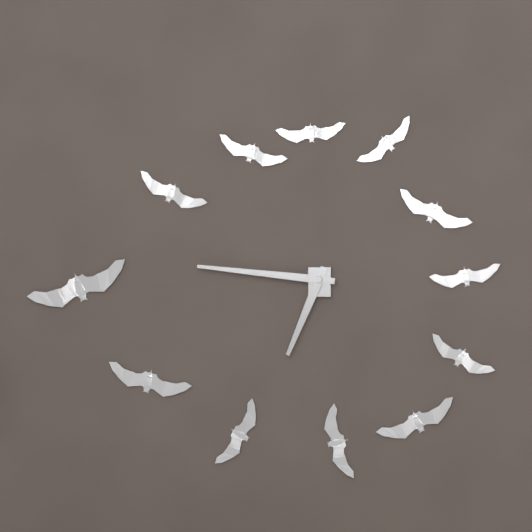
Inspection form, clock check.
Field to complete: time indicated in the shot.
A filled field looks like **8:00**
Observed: **6:46**
